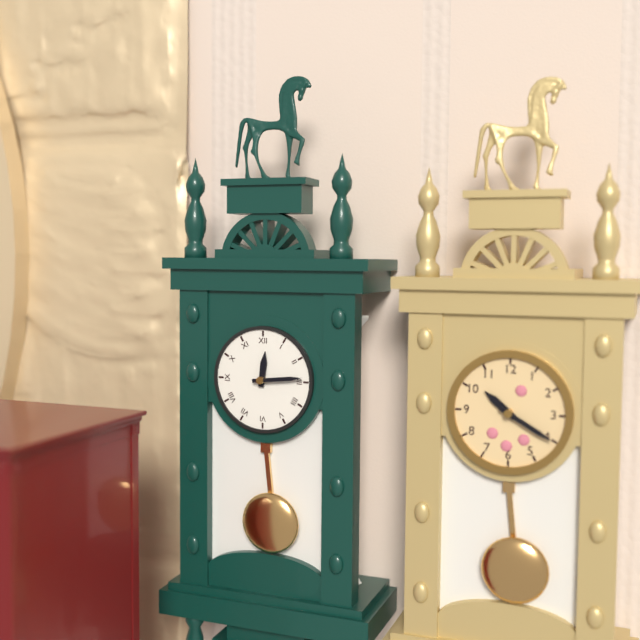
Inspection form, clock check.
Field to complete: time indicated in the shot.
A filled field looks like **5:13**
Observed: **12:14**
